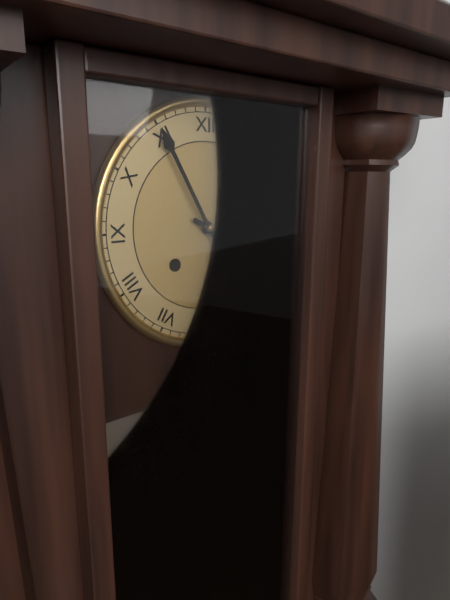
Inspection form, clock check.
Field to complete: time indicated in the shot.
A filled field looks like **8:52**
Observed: **3:55**
